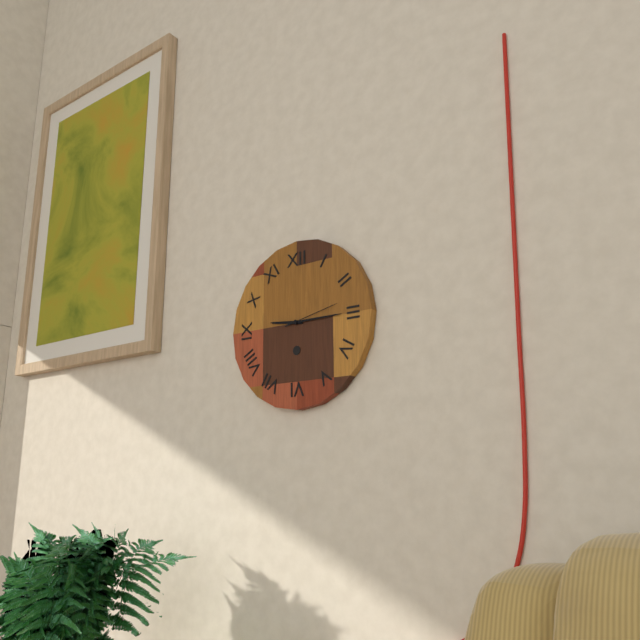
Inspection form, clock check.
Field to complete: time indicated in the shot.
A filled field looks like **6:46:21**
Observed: **9:15:13**
